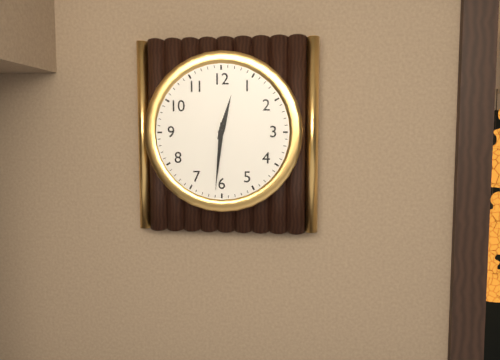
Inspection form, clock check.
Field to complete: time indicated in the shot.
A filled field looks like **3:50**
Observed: **12:31**
